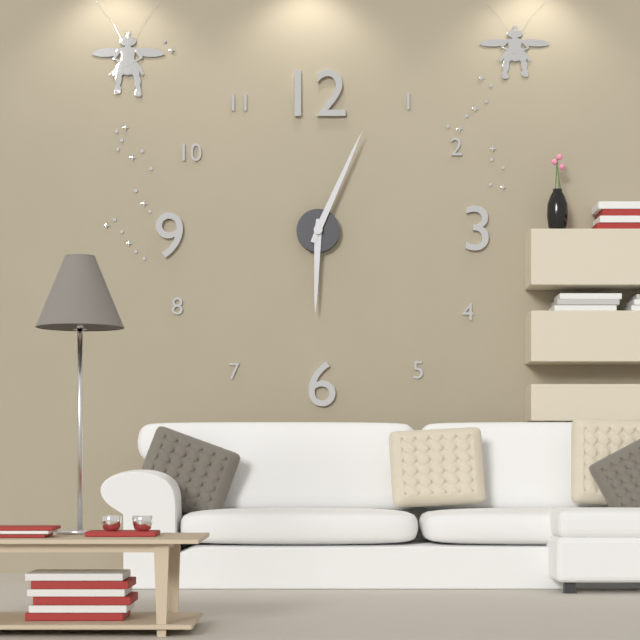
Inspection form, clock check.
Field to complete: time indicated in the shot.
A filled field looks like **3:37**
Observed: **6:04**
